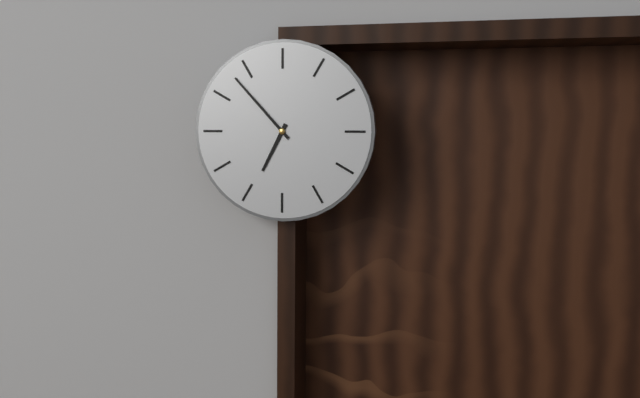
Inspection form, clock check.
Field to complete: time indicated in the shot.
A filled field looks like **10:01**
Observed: **6:53**
